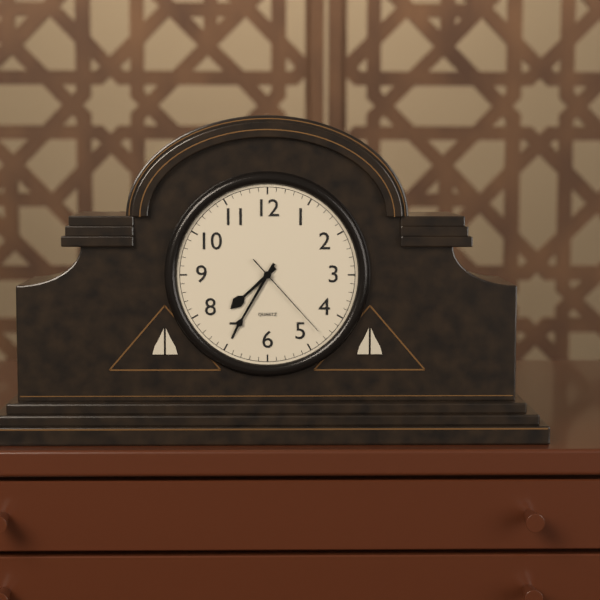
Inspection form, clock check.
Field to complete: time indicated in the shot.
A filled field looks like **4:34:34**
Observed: **7:35:23**
